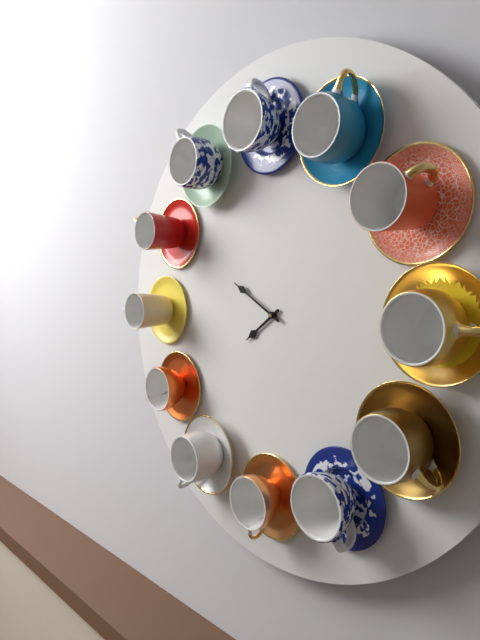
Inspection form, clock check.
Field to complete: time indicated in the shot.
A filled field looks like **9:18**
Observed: **7:50**
